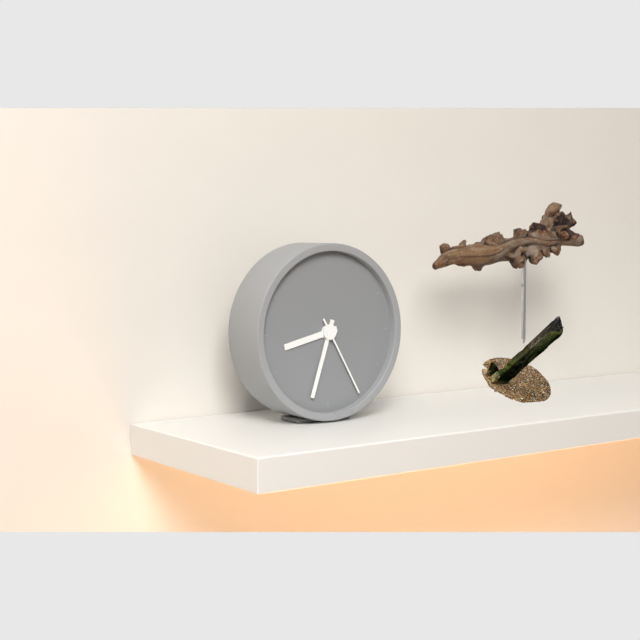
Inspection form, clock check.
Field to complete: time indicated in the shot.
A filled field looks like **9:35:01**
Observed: **8:33:25**
